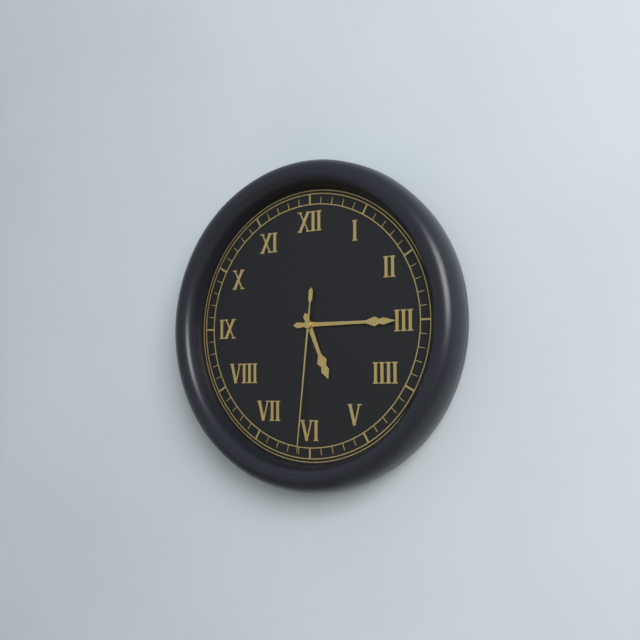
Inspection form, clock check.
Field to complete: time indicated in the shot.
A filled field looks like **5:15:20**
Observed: **5:15:31**
